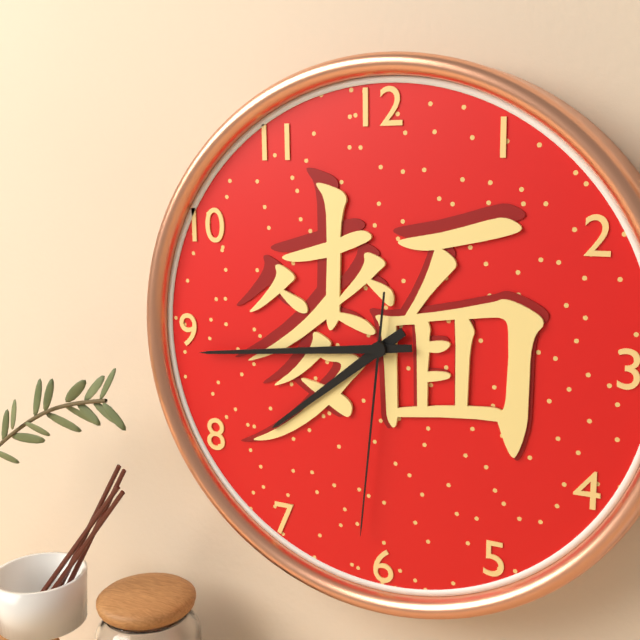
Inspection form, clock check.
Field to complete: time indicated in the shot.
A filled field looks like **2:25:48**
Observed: **7:44:31**
